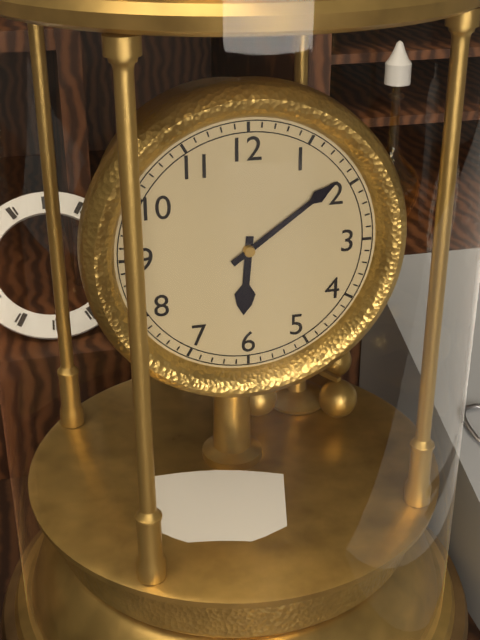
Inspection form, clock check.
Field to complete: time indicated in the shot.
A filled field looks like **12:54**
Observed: **6:09**
